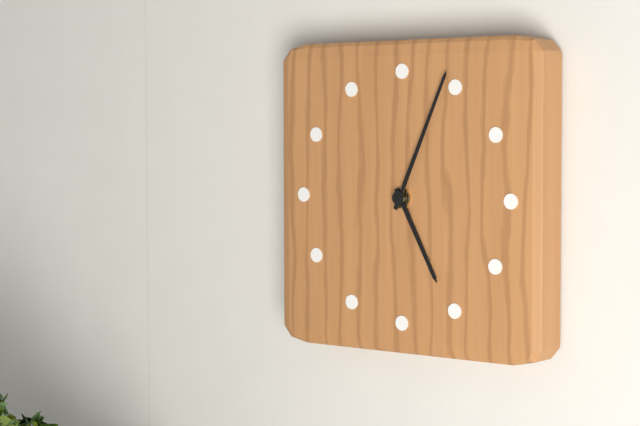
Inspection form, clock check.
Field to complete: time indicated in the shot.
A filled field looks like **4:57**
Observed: **5:04**
